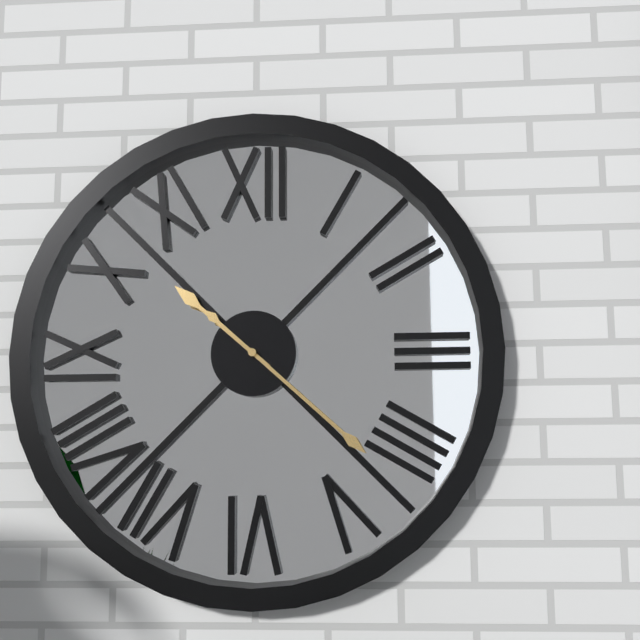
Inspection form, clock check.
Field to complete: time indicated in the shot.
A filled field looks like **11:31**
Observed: **10:22**
